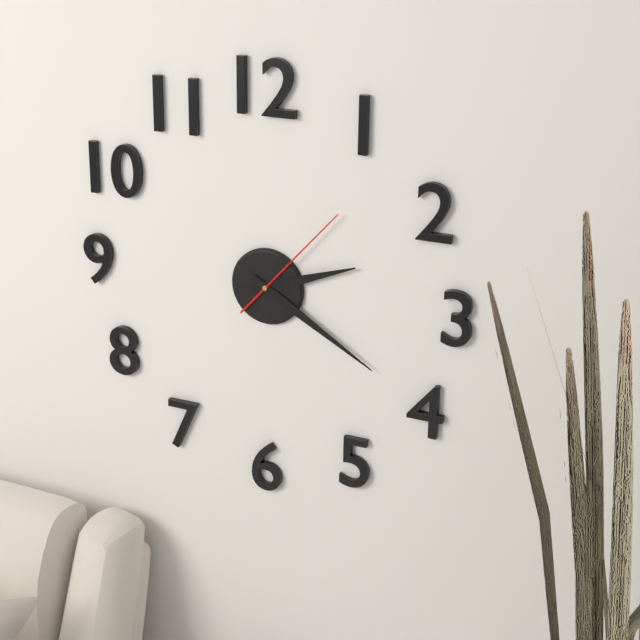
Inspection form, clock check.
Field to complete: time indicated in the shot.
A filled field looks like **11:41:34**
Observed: **2:20:07**
